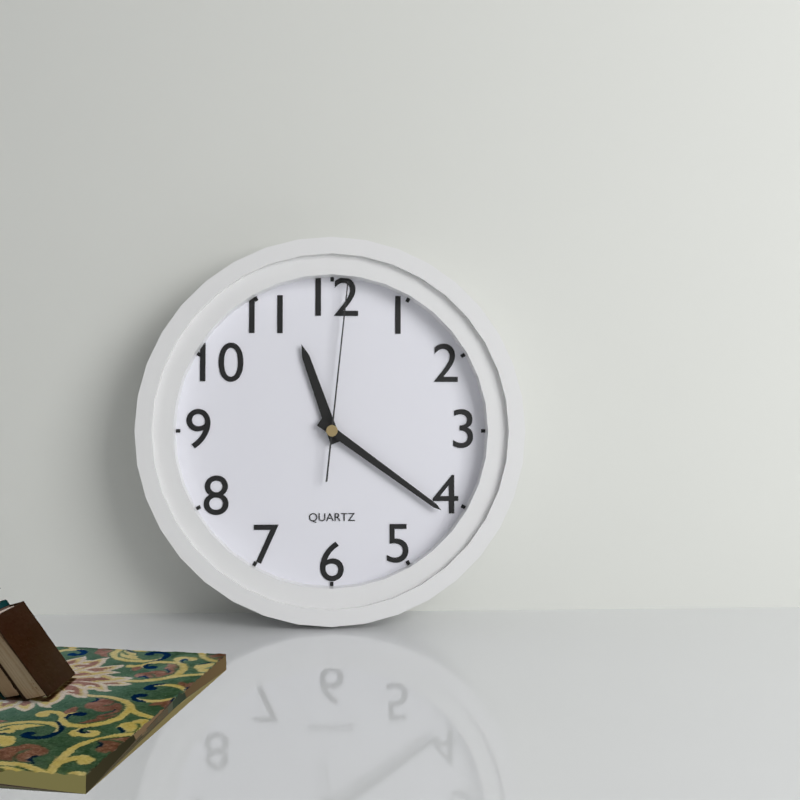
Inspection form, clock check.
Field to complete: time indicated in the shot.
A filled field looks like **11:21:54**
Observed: **11:21:01**
